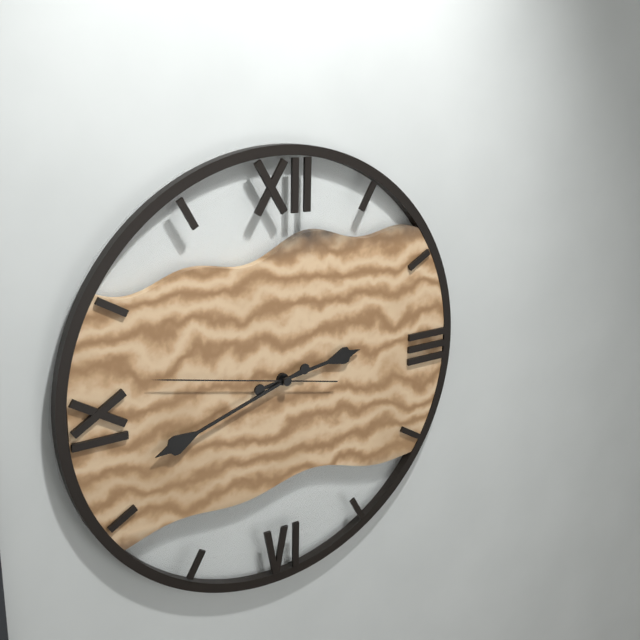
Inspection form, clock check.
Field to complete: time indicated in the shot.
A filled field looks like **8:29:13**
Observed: **2:42:47**
